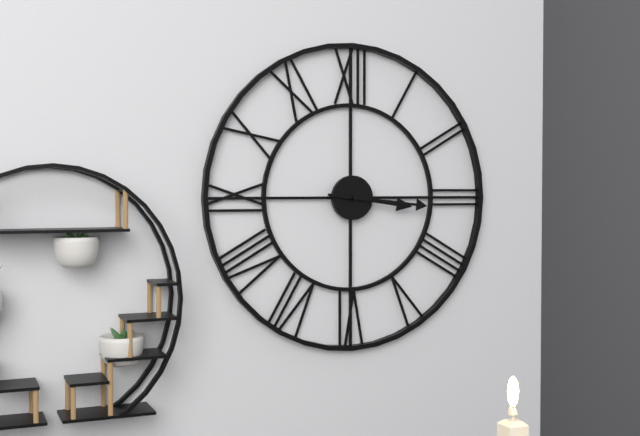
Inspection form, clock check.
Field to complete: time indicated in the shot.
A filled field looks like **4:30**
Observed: **3:16**
